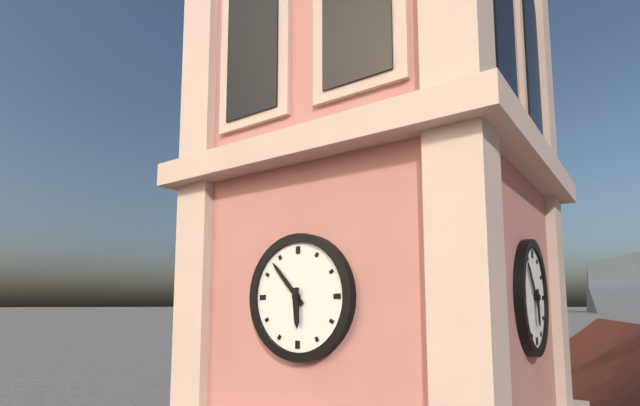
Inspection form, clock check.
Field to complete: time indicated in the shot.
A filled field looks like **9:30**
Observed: **5:53**
